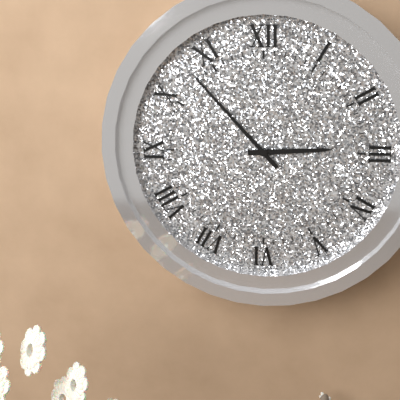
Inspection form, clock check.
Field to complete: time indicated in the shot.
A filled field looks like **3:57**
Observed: **2:53**
